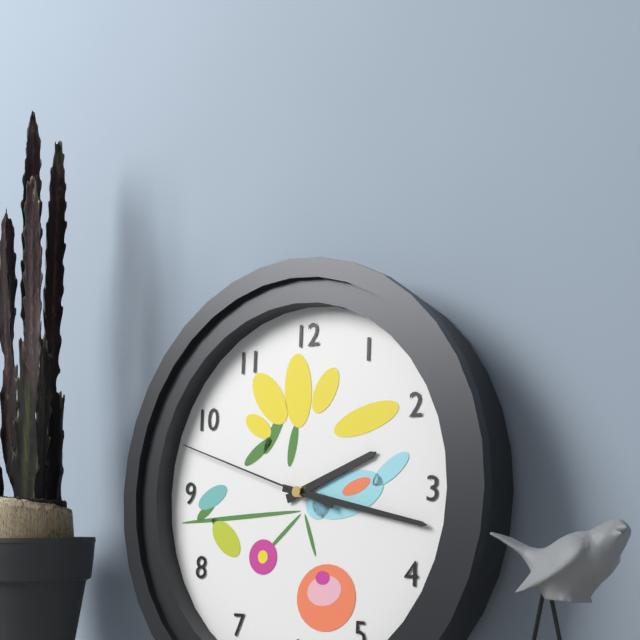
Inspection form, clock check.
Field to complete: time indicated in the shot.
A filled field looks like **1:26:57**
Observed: **2:17:48**
